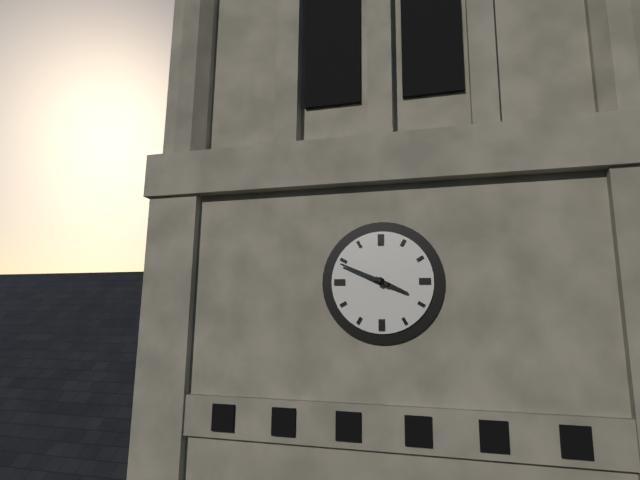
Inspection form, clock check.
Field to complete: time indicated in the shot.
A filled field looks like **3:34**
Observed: **3:49**
